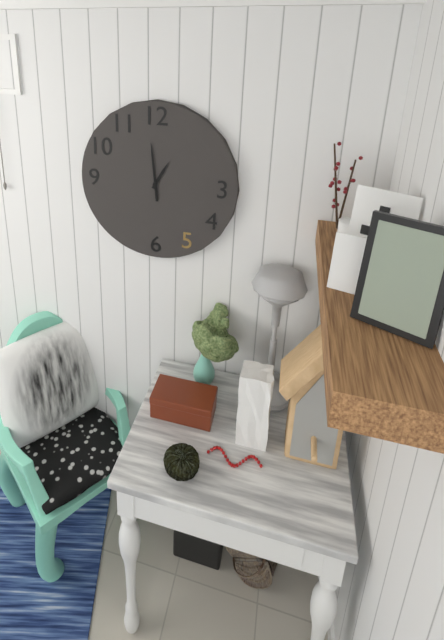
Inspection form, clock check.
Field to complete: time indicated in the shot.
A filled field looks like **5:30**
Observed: **12:59**
